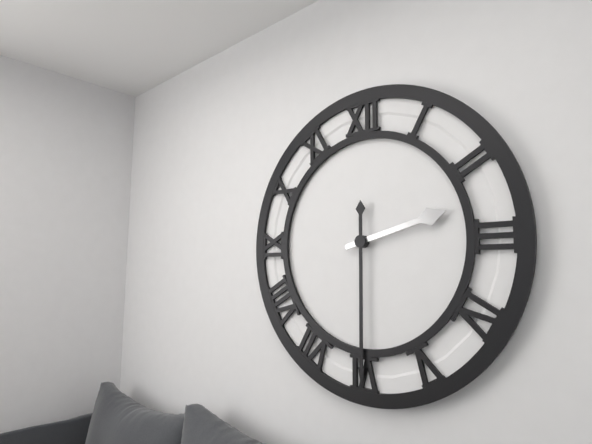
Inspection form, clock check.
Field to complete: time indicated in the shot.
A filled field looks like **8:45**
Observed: **2:30**
